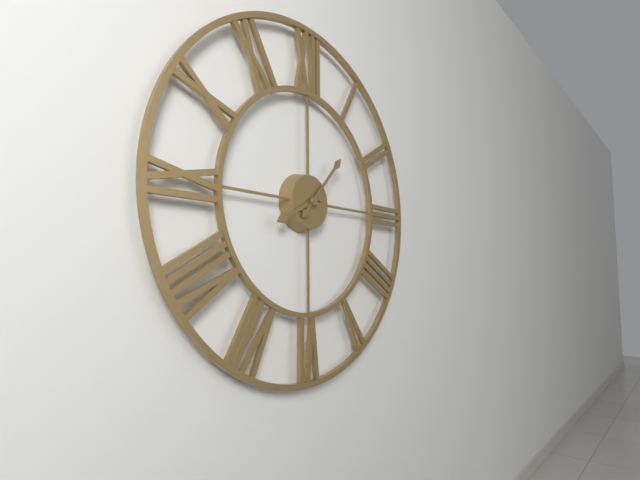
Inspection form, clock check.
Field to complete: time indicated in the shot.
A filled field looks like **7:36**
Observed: **8:07**
